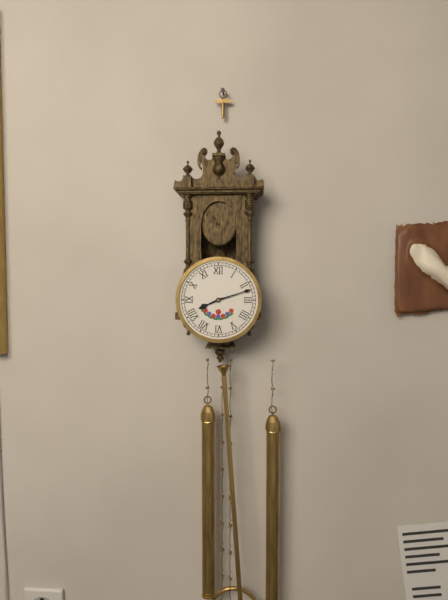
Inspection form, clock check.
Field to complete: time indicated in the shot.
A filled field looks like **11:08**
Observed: **8:12**
